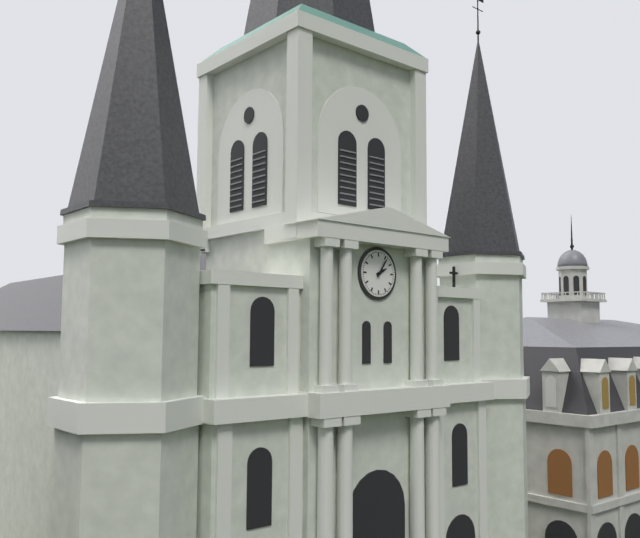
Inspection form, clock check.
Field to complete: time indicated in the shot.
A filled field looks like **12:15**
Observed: **2:06**
